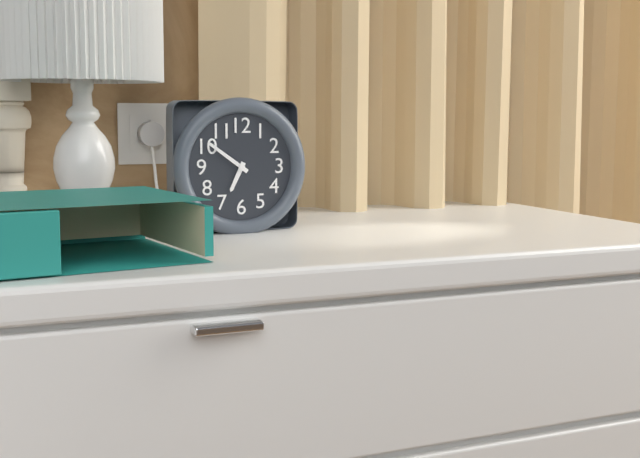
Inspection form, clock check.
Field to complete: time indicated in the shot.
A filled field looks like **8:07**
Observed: **6:51**
